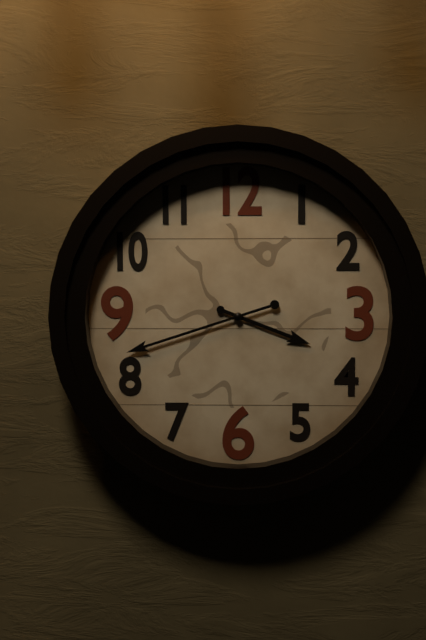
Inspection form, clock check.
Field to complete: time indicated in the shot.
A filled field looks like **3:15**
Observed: **3:42**
